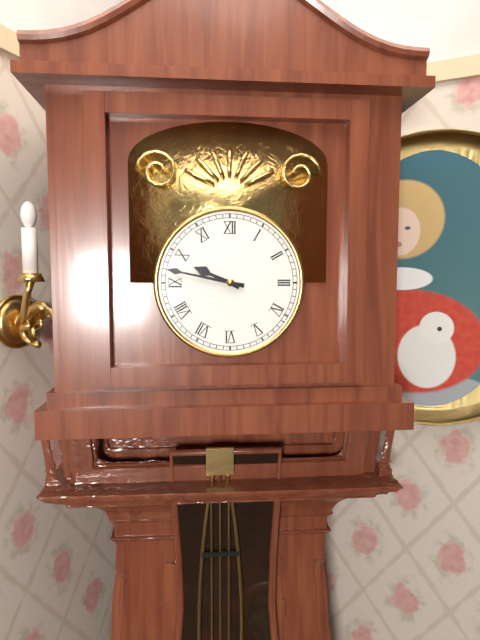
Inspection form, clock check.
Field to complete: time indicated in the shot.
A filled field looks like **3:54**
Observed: **9:47**
